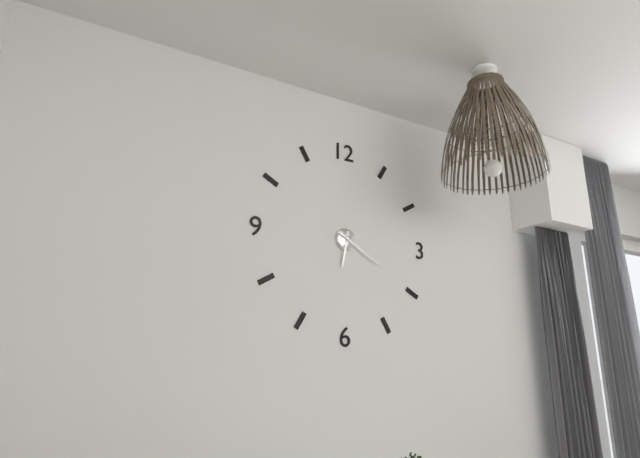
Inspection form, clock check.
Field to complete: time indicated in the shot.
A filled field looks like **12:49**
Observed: **6:20**
